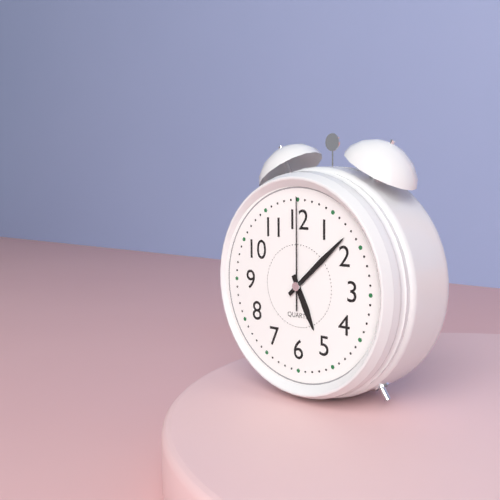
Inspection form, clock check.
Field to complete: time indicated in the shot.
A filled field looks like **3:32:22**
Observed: **5:08:00**
